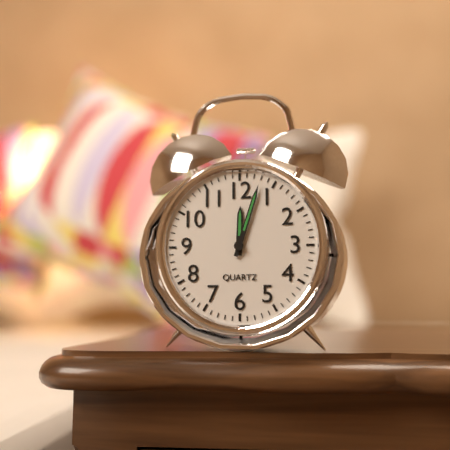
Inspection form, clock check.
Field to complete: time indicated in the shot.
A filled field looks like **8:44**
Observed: **12:03**
